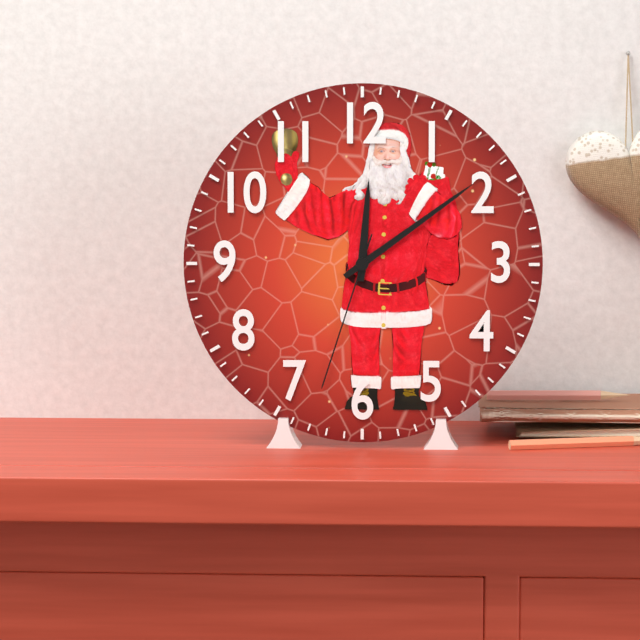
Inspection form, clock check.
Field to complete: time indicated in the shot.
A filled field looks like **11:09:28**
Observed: **12:09:33**
